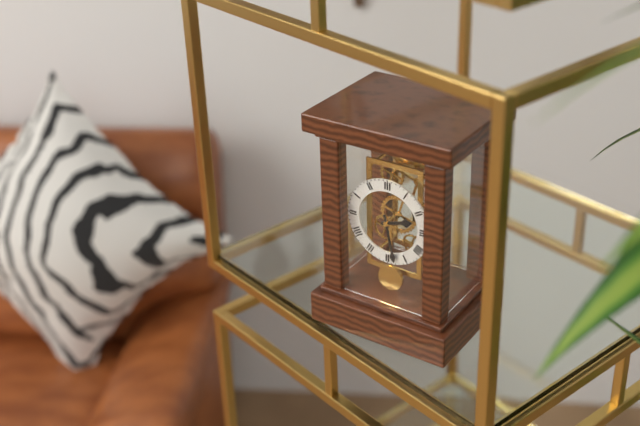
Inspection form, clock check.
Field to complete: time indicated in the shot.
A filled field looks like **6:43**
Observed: **2:28**
